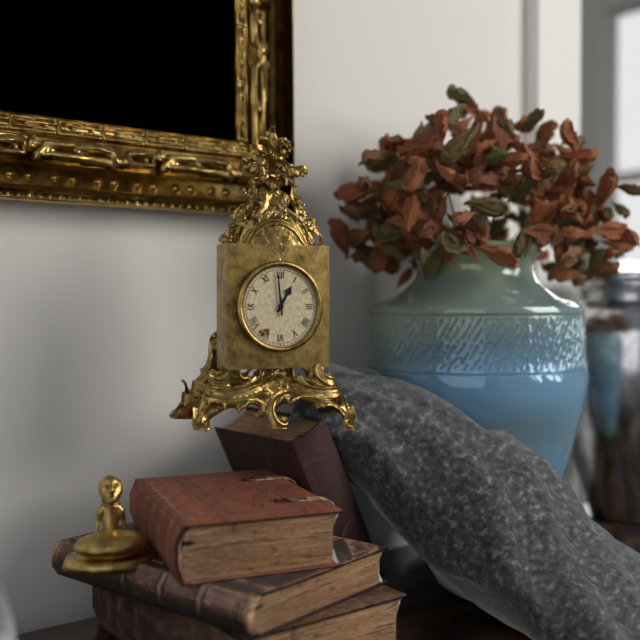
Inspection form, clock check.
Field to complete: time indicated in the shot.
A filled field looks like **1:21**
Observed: **12:59**
